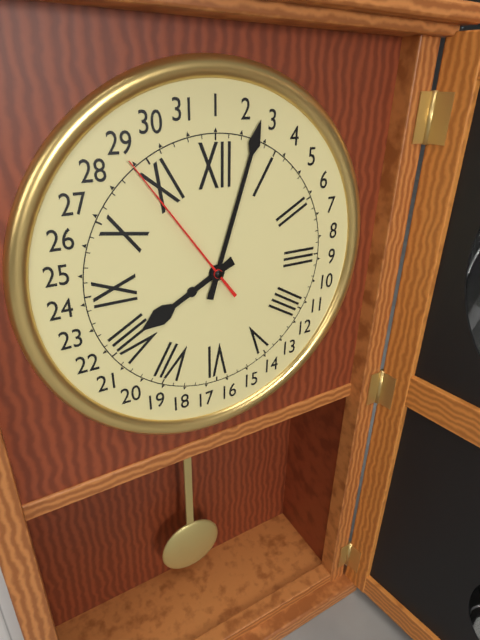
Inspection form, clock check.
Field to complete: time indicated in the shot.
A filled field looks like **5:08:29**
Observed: **8:03:54**
